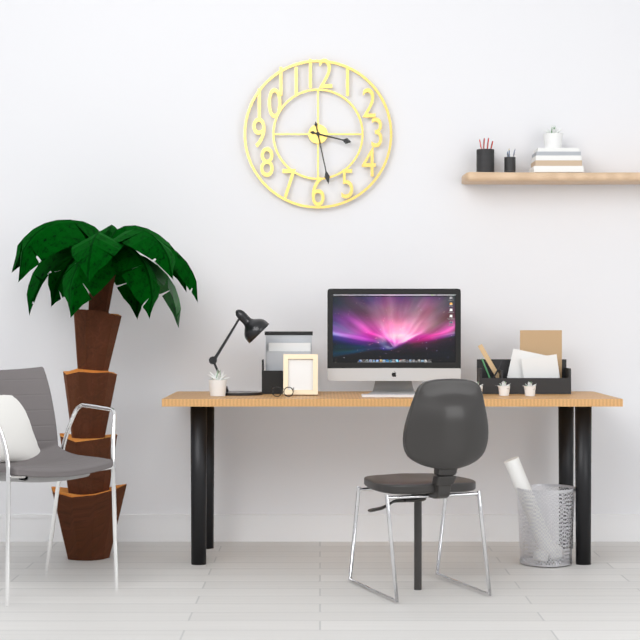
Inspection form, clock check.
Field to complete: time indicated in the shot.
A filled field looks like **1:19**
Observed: **3:28**
